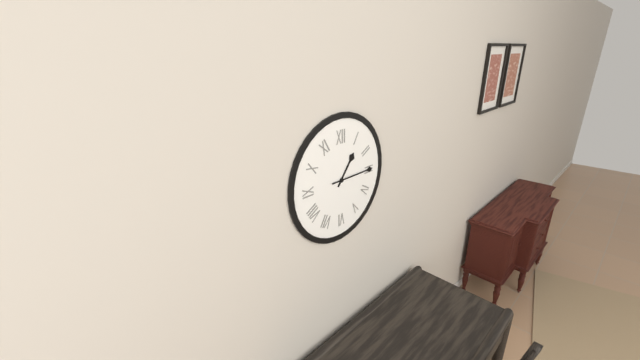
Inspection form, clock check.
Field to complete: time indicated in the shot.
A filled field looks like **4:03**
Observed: **1:15**
